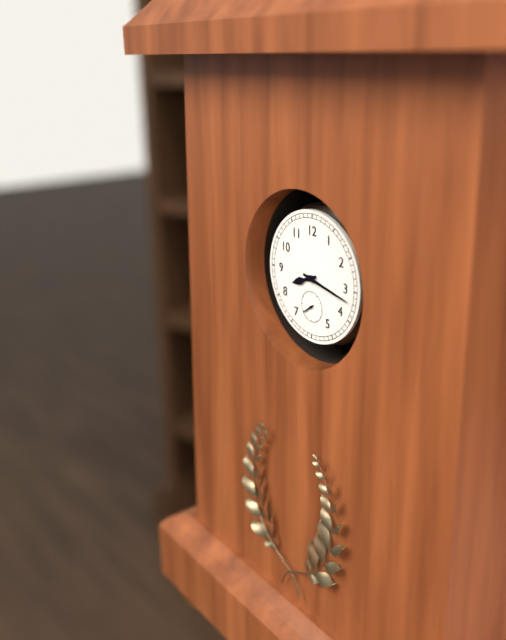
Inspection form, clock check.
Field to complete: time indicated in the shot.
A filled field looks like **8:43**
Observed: **8:17**
